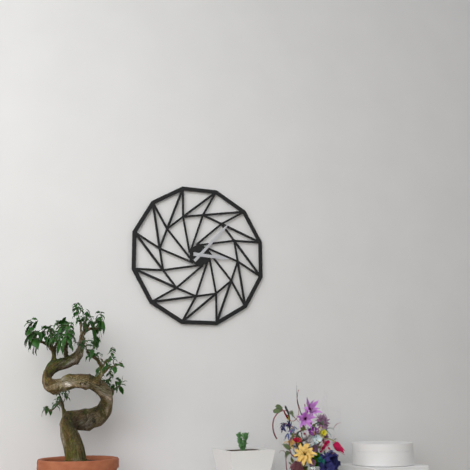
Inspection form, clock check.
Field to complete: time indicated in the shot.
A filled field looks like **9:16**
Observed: **3:07**
